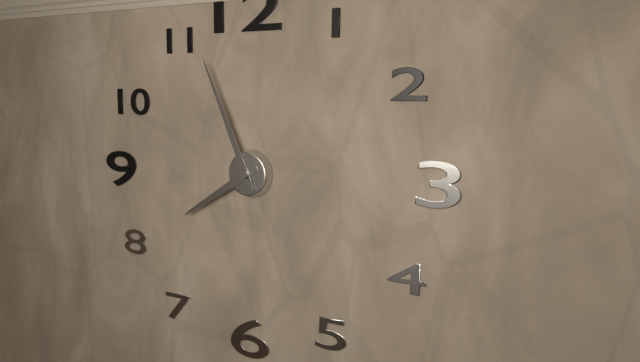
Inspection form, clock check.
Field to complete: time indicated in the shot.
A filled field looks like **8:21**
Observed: **7:56**
